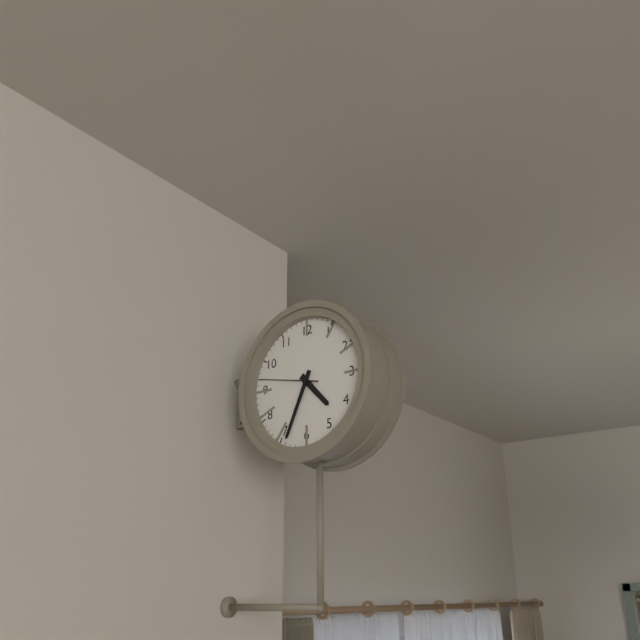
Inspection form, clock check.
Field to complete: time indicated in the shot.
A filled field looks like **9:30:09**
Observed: **4:34:47**
